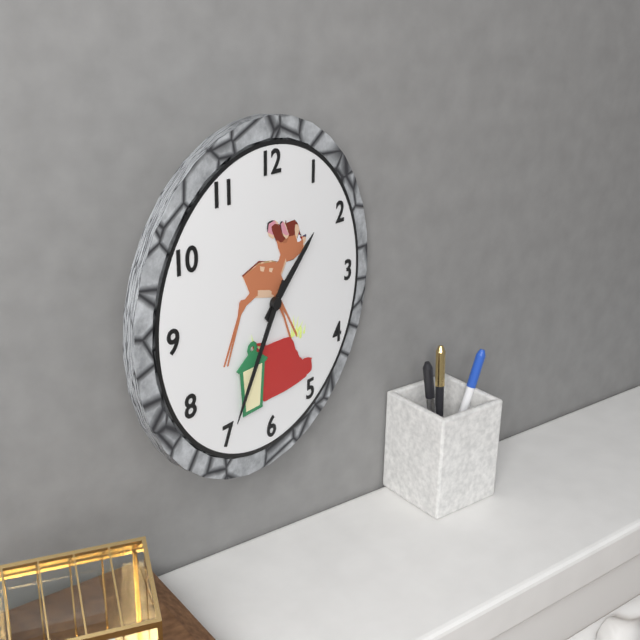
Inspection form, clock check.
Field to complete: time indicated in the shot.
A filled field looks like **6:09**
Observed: **1:35**
